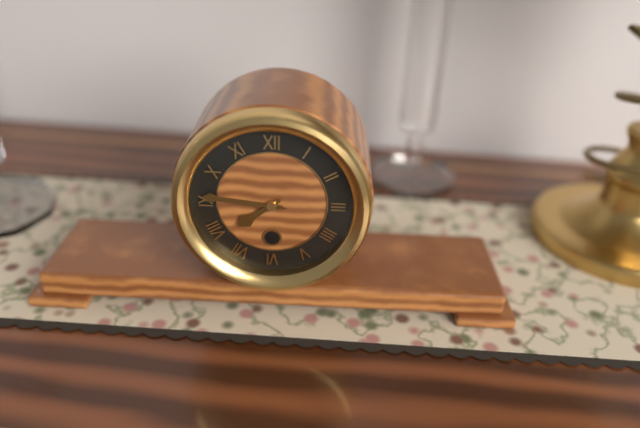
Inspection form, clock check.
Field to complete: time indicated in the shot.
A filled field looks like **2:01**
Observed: **7:46**
